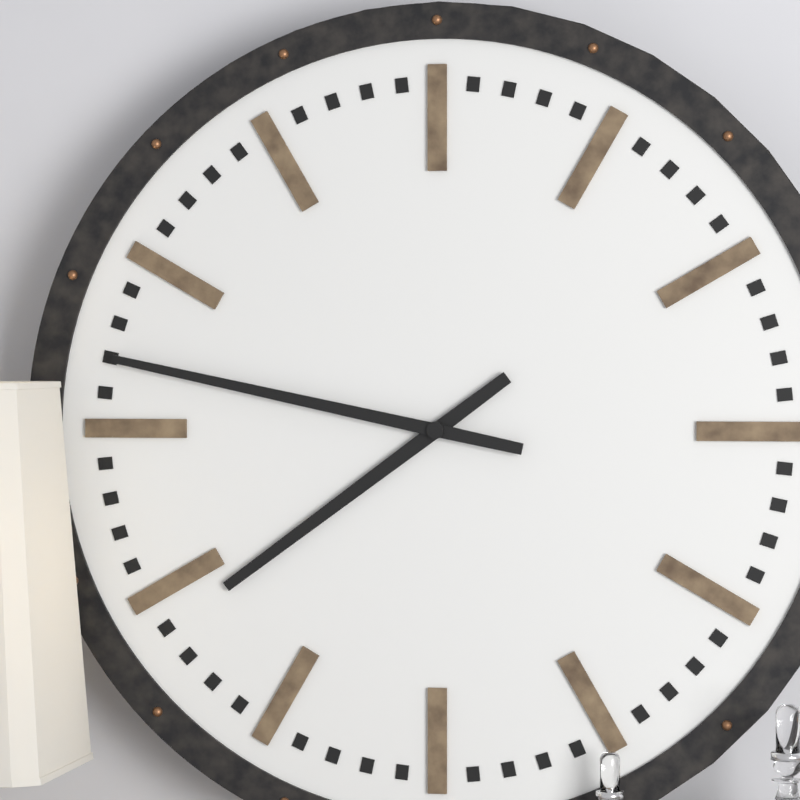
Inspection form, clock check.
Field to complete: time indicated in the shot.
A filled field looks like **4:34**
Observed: **7:47**
